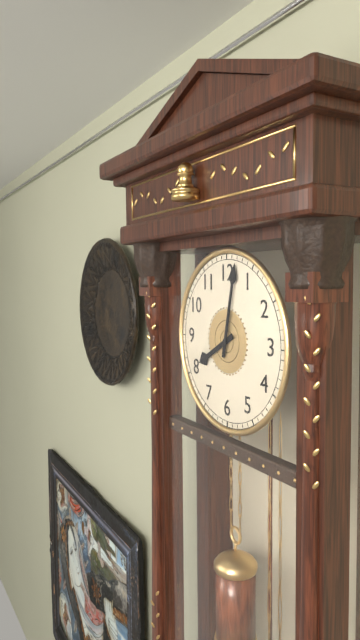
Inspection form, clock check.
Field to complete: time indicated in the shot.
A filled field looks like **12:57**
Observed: **8:02**
